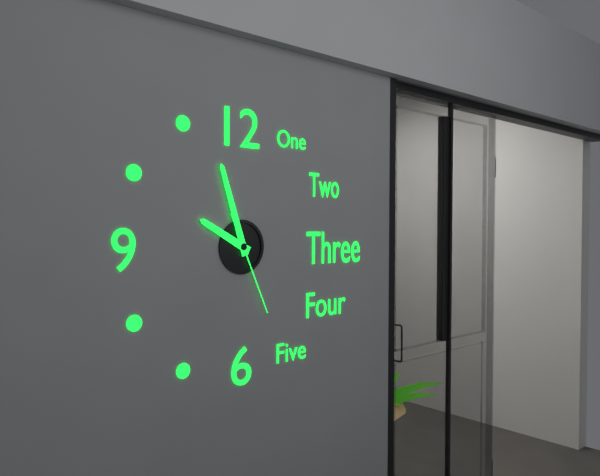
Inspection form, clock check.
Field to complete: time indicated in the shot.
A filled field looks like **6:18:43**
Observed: **9:57:26**
